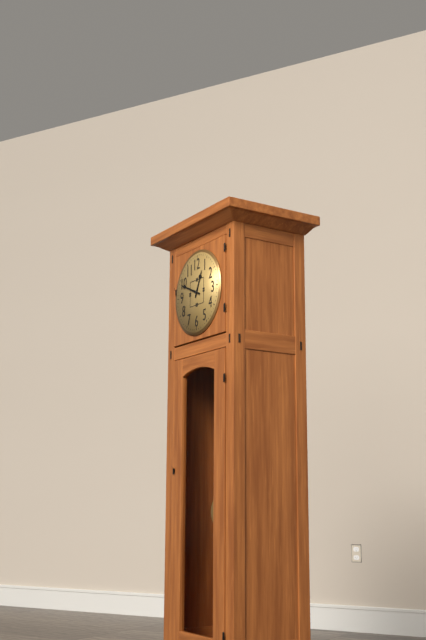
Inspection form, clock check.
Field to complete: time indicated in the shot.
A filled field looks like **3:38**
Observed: **12:49**
